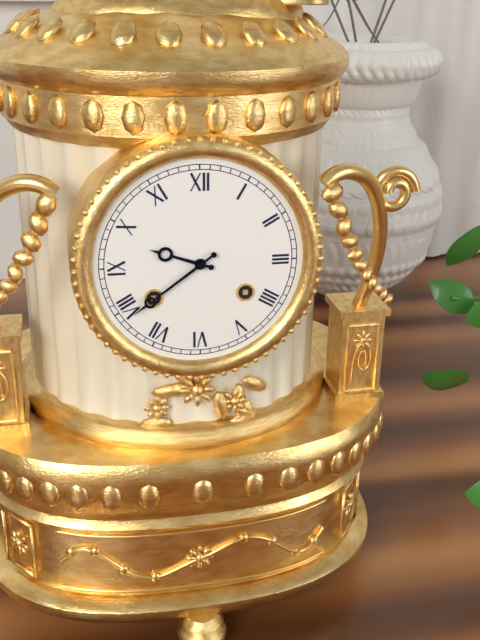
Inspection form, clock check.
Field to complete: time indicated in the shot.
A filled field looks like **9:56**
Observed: **9:39**
